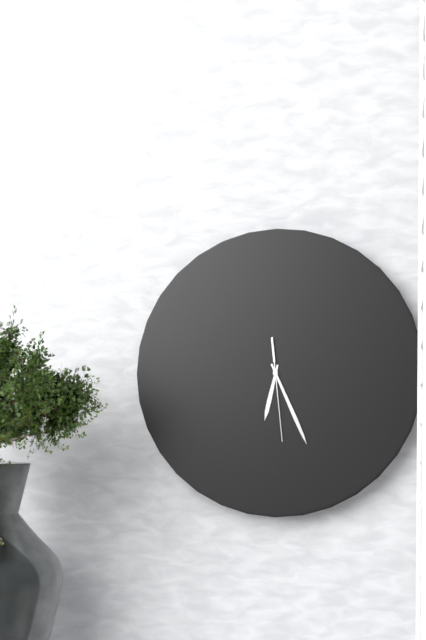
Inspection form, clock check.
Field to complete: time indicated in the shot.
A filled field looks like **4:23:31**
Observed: **6:26:29**
